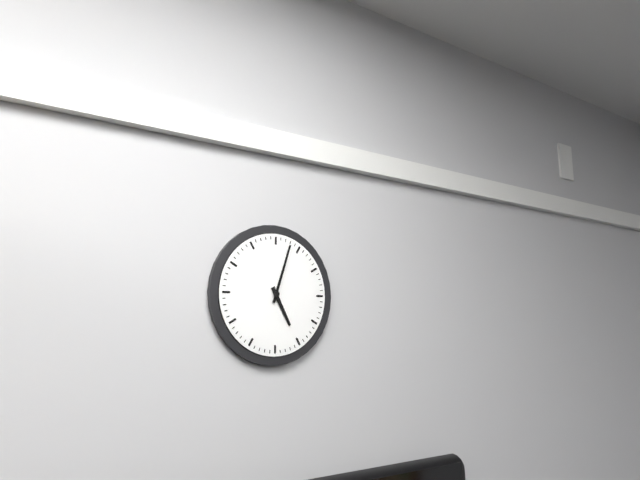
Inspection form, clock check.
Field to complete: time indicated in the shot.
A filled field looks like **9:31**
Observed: **5:03**
